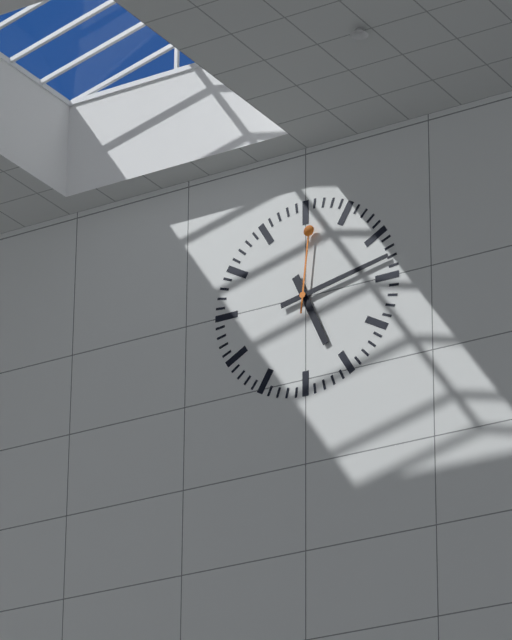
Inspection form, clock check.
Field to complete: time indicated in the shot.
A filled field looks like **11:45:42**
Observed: **5:13:01**
